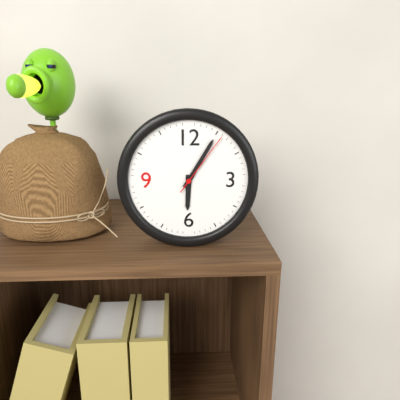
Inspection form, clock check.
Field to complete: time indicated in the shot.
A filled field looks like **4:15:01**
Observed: **6:05:06**
